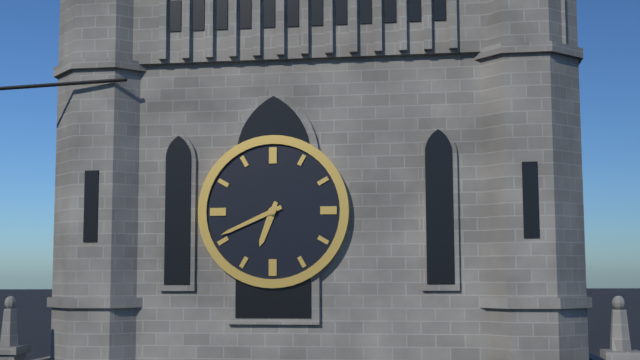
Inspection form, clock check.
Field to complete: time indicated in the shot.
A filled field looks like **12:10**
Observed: **6:41**
